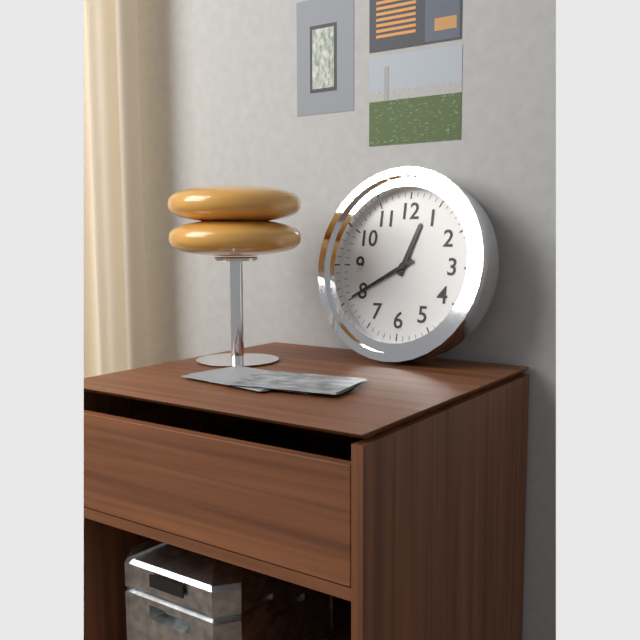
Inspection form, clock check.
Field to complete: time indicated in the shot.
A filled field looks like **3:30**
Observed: **12:40**
